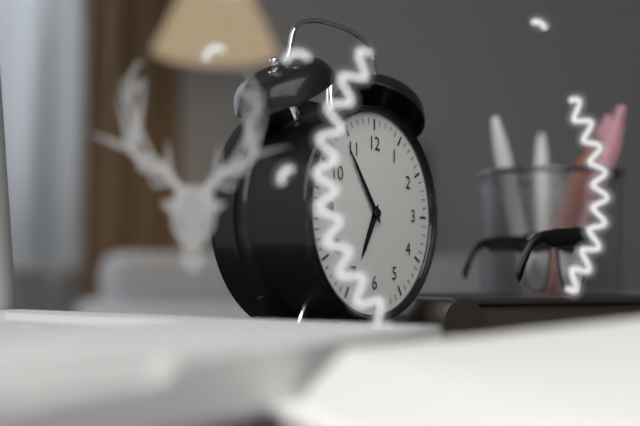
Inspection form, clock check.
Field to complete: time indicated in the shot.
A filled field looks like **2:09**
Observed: **6:54**
